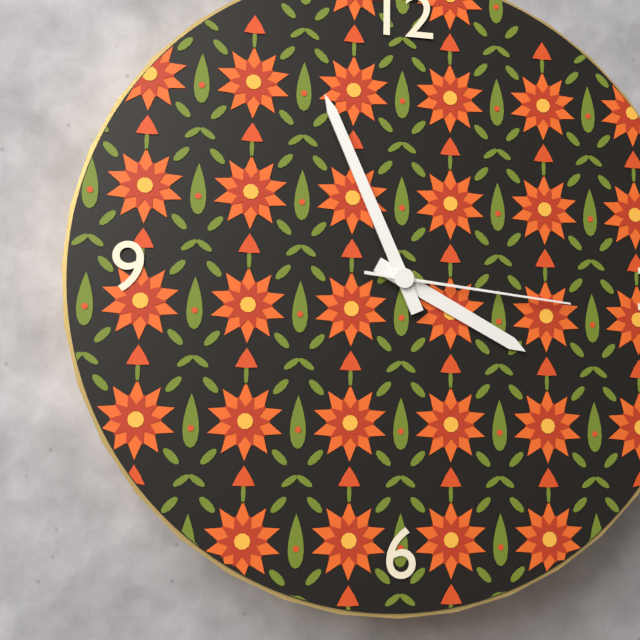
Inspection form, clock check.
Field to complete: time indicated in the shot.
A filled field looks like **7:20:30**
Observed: **3:56:16**
